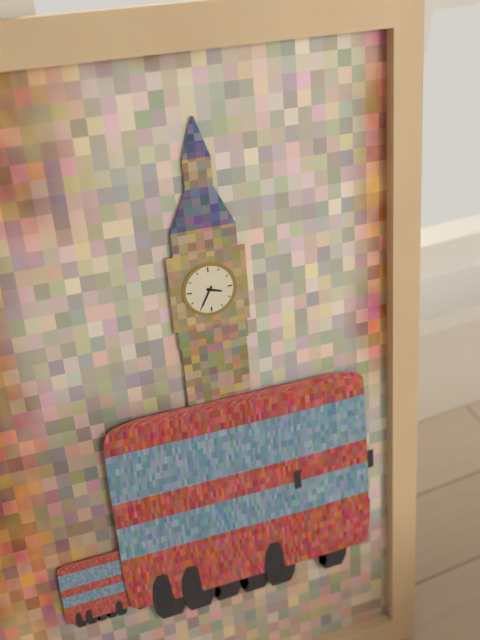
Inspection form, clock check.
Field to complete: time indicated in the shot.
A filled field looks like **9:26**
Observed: **3:35**
